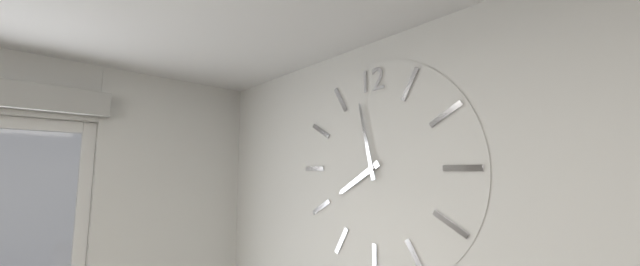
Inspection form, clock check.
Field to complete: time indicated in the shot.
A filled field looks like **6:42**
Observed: **7:58**
